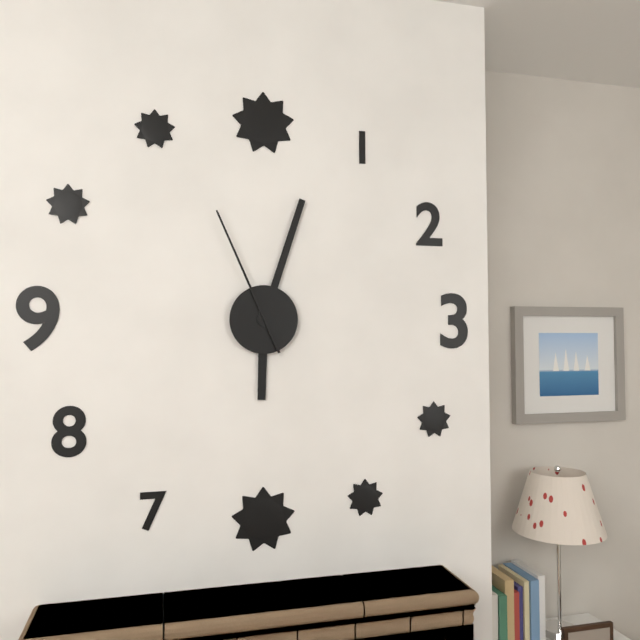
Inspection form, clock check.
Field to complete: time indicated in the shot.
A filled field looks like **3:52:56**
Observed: **6:03:56**
